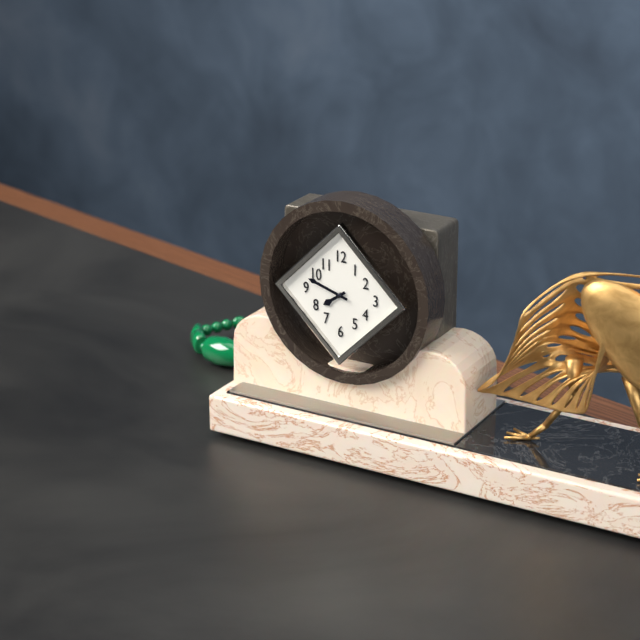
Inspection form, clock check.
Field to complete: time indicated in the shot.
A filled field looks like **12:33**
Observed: **7:48**
